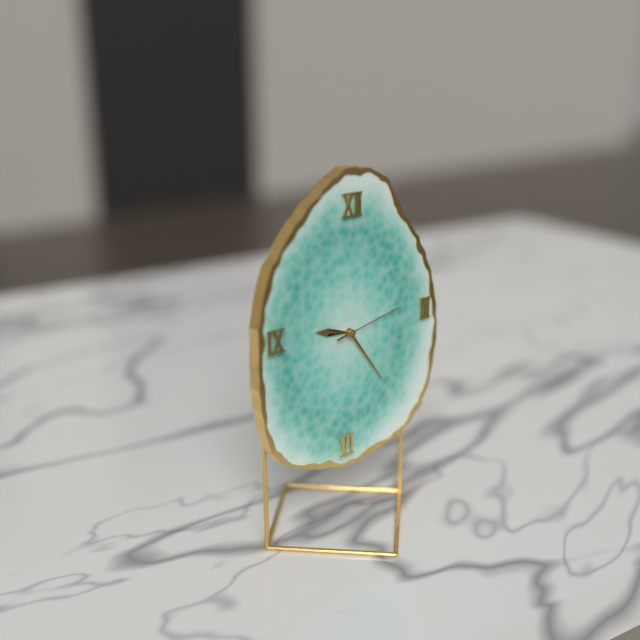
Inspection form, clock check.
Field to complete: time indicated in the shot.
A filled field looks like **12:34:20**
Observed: **9:24:13**
